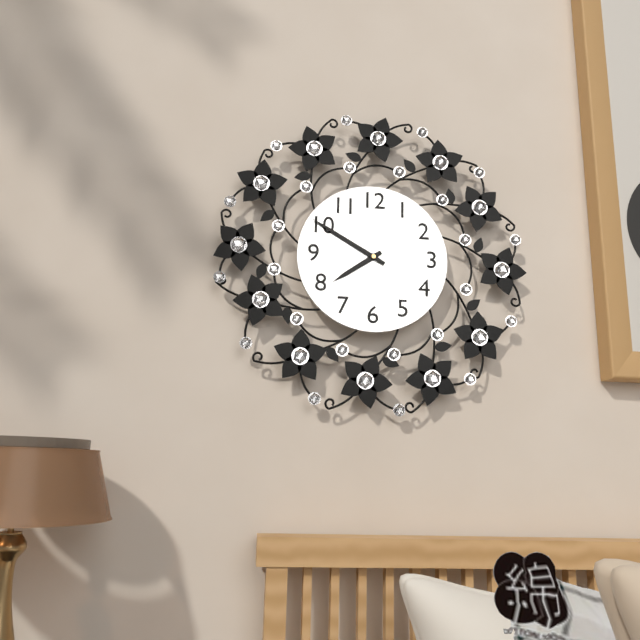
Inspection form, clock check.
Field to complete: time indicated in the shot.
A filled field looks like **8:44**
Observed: **7:50**
